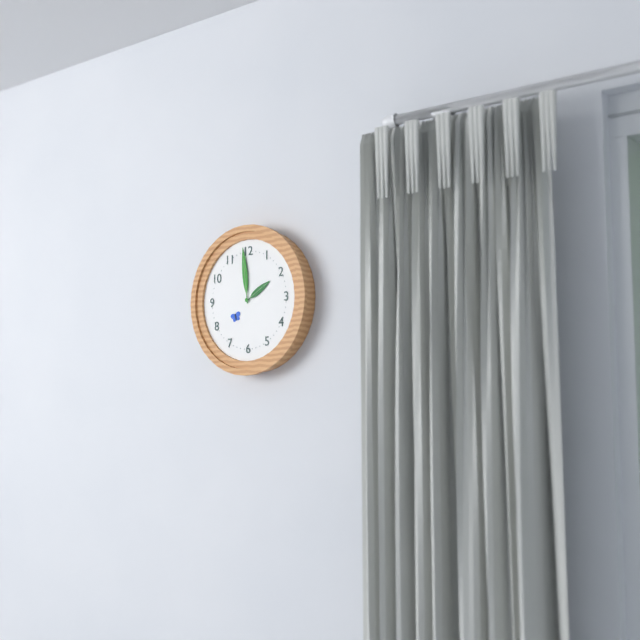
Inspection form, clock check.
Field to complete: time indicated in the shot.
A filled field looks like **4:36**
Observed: **1:59**
